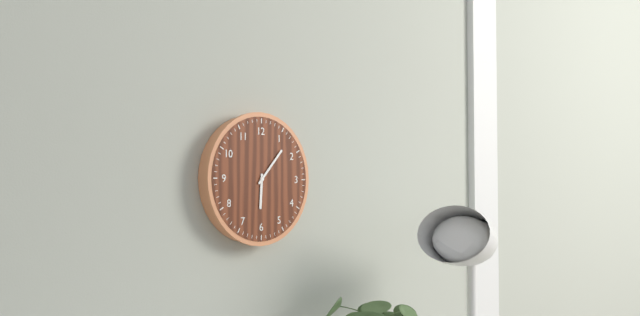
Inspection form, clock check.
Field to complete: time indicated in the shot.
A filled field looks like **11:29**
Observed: **6:07**
